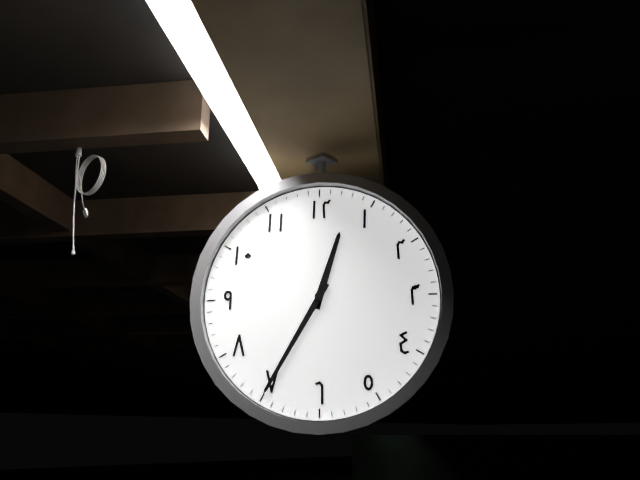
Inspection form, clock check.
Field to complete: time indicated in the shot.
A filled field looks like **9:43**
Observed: **12:35**
